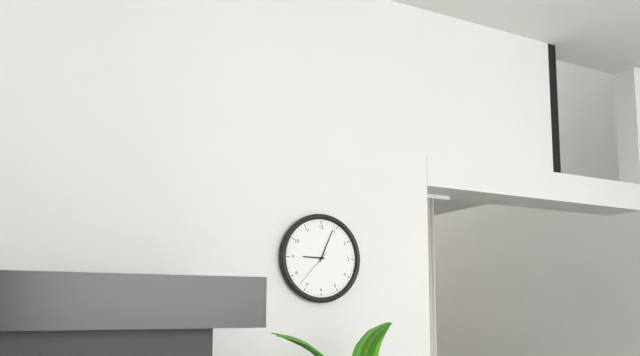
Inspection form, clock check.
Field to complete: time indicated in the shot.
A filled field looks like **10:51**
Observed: **9:04**
